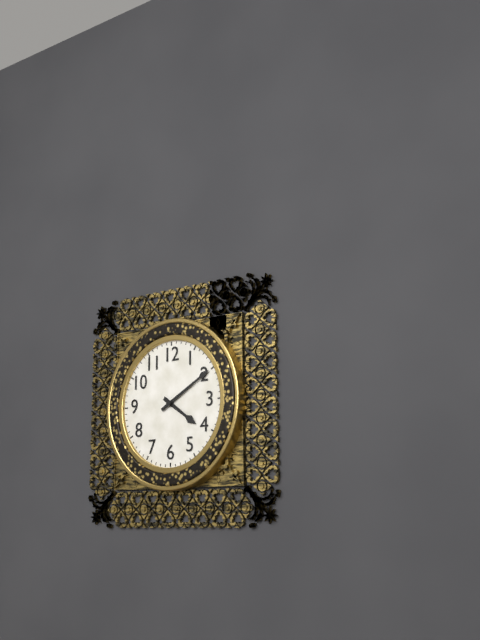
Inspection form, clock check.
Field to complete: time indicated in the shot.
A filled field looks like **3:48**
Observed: **4:10**
